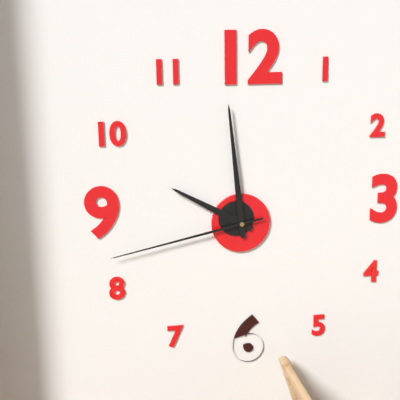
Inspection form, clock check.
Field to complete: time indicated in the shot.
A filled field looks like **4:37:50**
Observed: **9:59:43**
